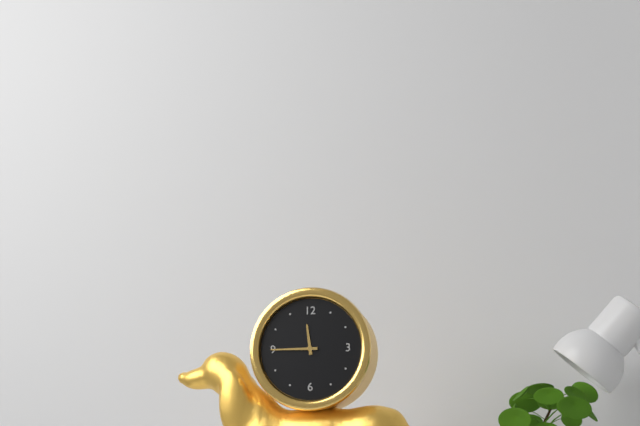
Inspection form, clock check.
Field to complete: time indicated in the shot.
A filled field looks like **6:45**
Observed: **11:45**
